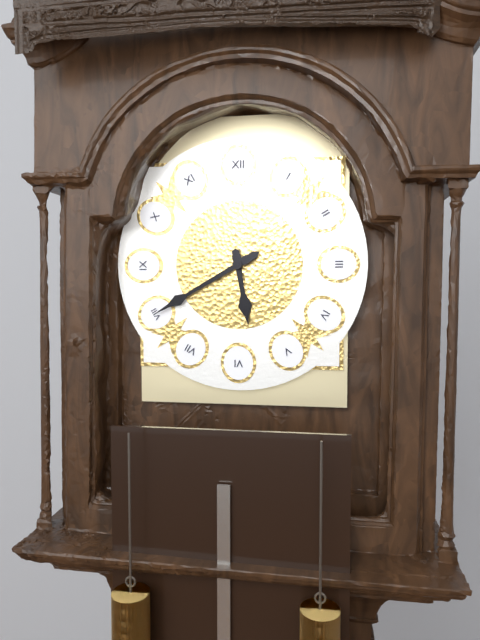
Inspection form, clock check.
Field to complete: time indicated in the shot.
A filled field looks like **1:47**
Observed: **5:40**
